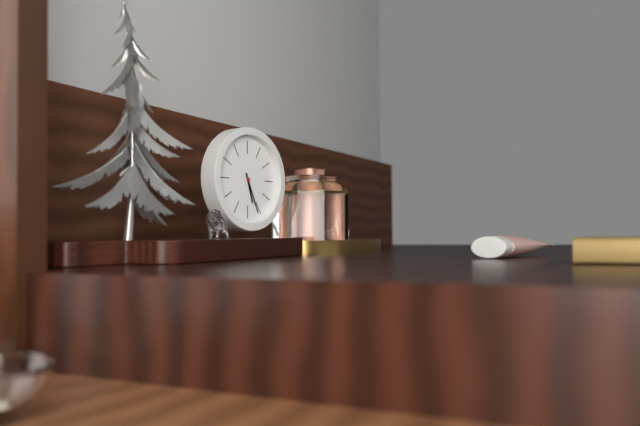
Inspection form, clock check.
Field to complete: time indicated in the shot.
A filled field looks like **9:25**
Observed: **5:26**
